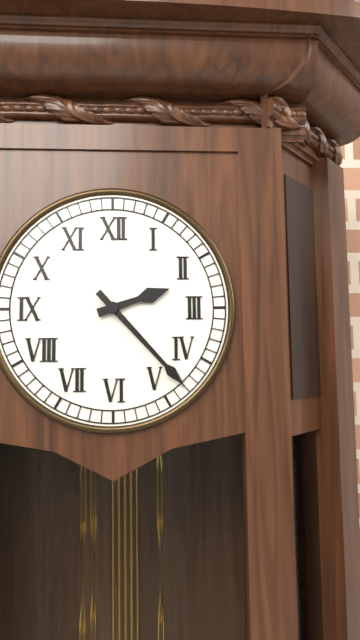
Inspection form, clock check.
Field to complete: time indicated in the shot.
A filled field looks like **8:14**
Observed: **2:23**
